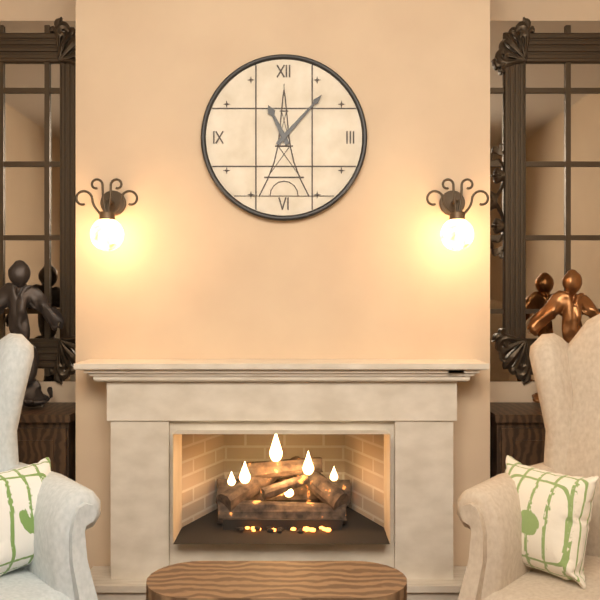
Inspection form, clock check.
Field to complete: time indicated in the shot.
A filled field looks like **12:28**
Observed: **11:07**
